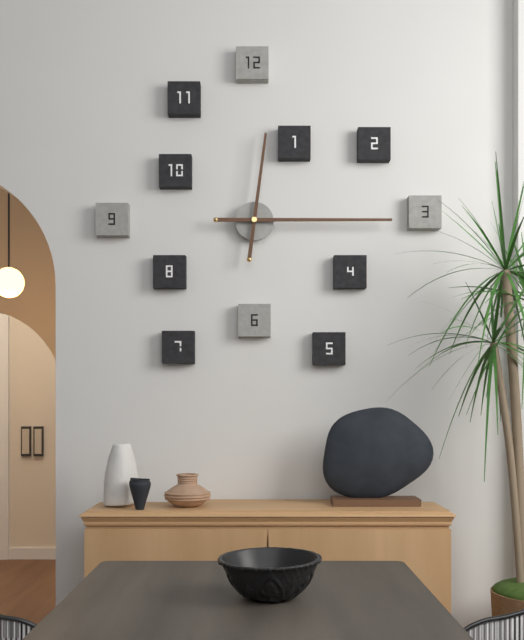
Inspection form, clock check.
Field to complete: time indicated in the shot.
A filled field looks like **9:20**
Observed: **12:15**
